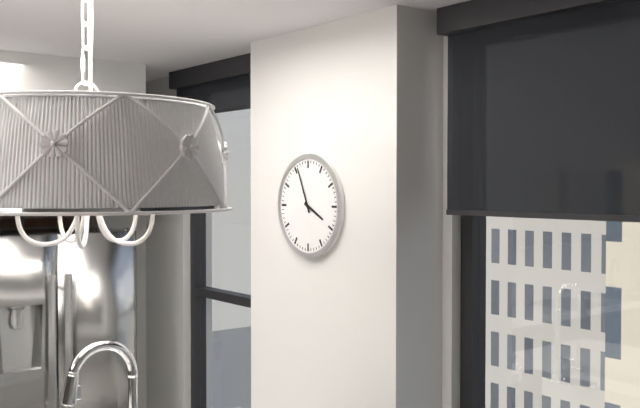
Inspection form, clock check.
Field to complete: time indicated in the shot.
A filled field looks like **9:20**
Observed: **3:56**
